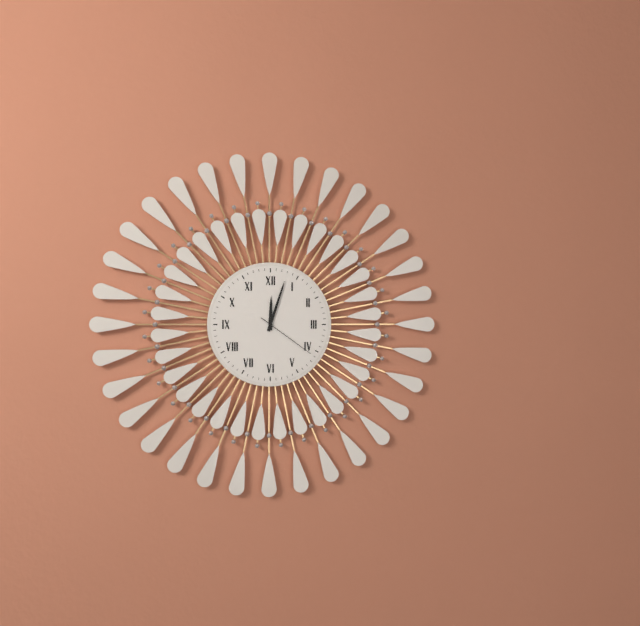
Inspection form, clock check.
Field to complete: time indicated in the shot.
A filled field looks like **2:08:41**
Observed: **12:03:21**
